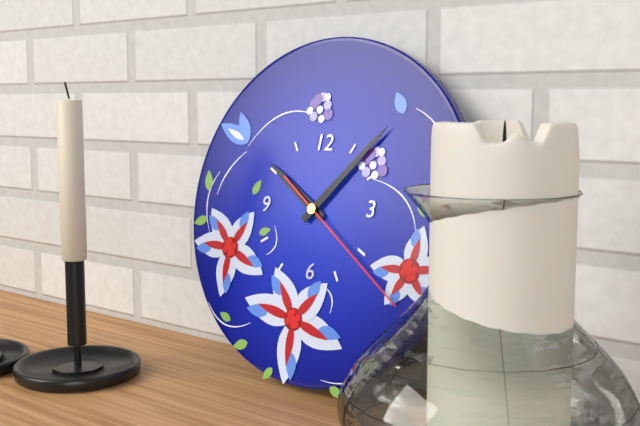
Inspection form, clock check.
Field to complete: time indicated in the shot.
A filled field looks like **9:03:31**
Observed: **10:07:21**
